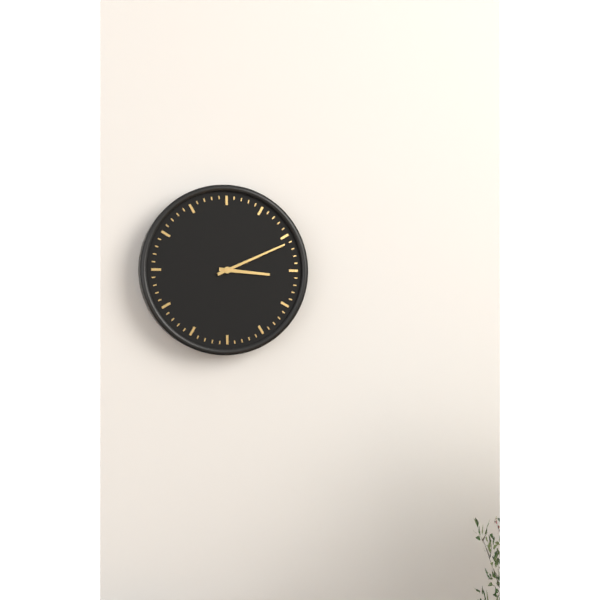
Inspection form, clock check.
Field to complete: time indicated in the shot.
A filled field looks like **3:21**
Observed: **3:11**
